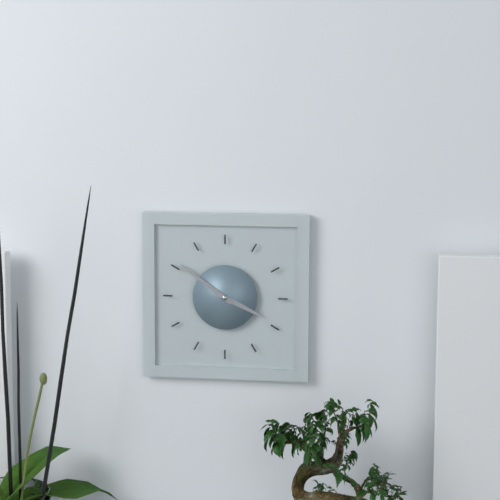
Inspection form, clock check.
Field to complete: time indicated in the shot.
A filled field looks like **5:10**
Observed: **3:51**
